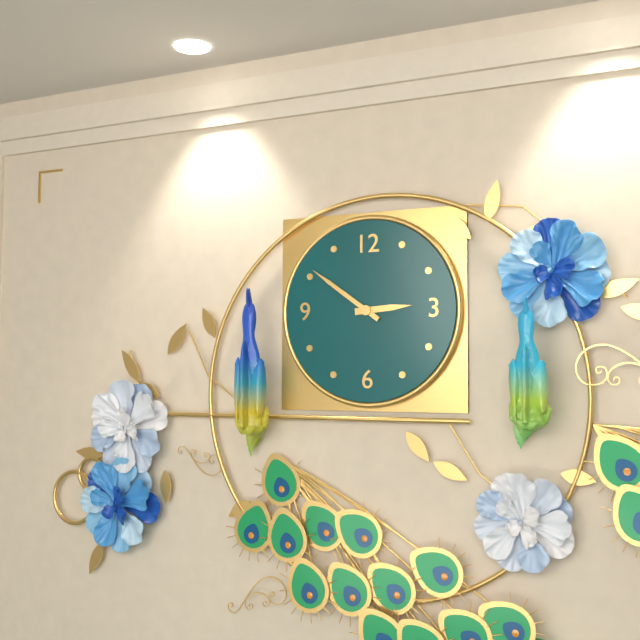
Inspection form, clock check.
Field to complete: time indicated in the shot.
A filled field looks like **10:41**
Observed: **2:51**
